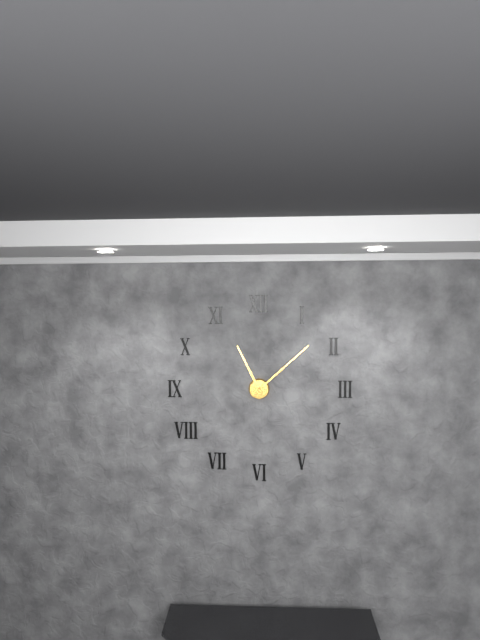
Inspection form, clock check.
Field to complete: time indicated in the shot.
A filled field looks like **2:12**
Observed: **11:08**
